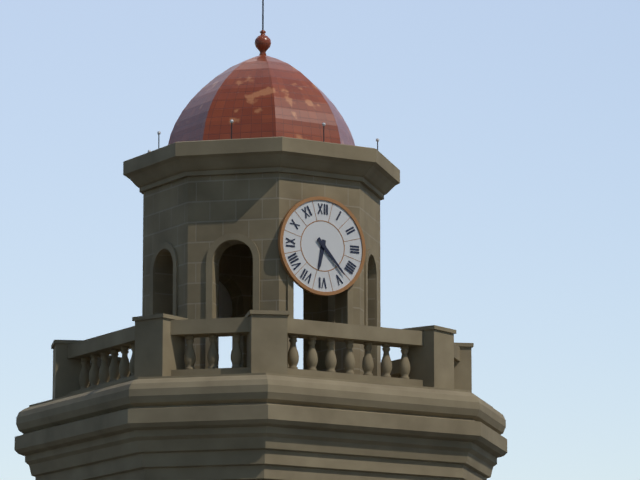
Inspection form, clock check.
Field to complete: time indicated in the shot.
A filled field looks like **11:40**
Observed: **6:23**
